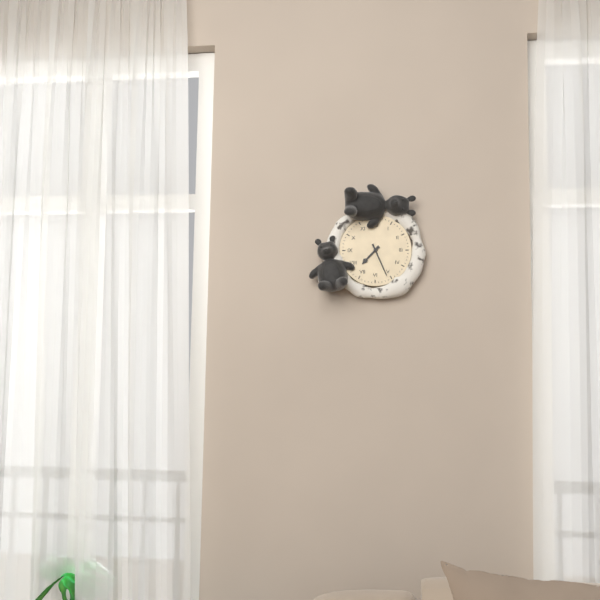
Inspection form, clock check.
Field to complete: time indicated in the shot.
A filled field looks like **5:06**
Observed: **7:26**
